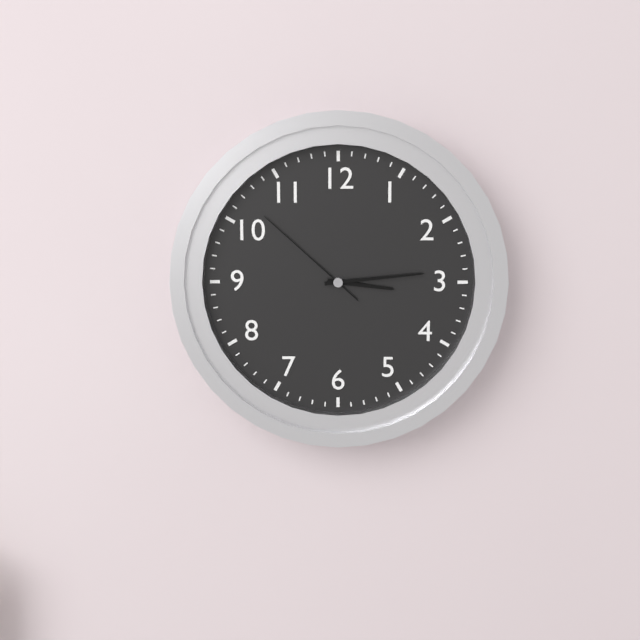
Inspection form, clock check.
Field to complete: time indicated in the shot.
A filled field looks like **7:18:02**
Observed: **3:14:52**
